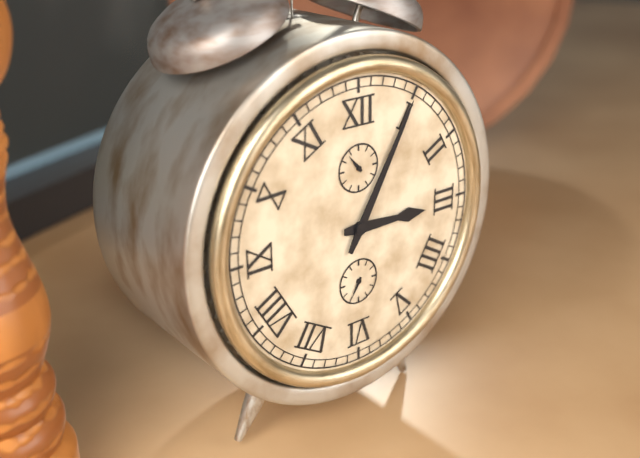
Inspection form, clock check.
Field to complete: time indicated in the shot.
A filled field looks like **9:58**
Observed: **3:05**
